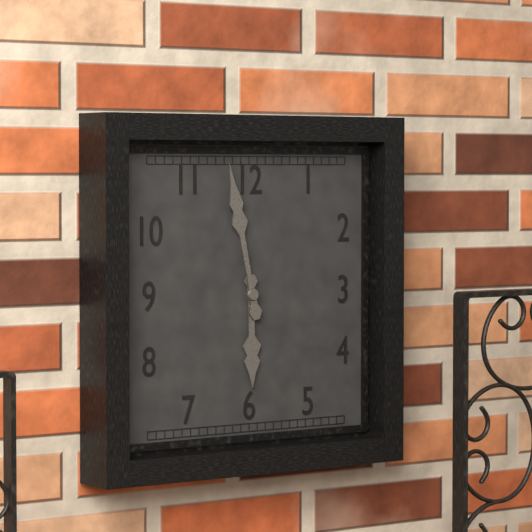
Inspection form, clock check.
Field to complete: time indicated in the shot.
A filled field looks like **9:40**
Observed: **5:58**
